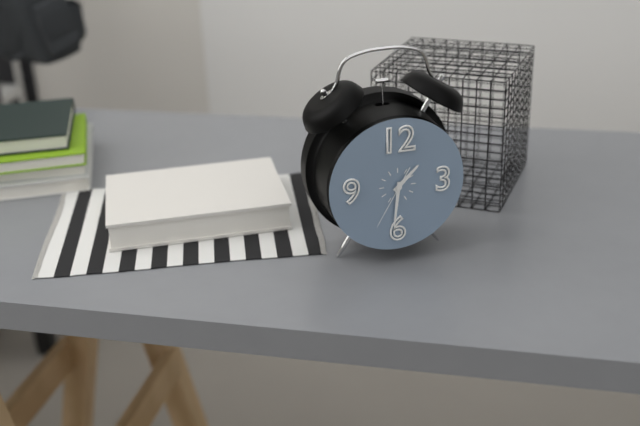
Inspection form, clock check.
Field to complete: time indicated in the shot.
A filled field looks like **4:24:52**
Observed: **1:31:35**
